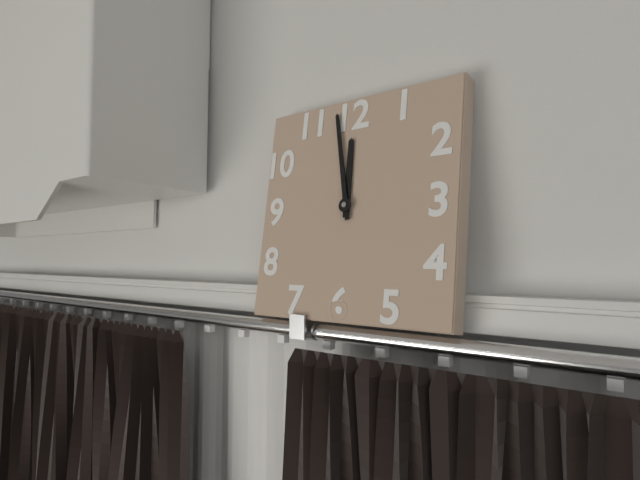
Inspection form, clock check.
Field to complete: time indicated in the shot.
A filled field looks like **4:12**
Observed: **11:58**
